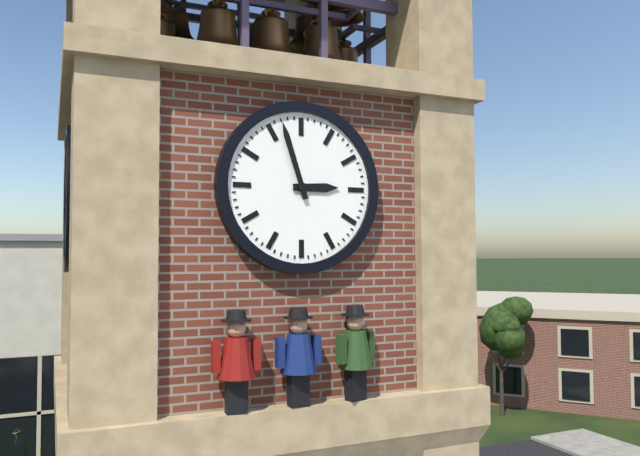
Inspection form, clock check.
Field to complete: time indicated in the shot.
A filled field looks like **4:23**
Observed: **2:57**
